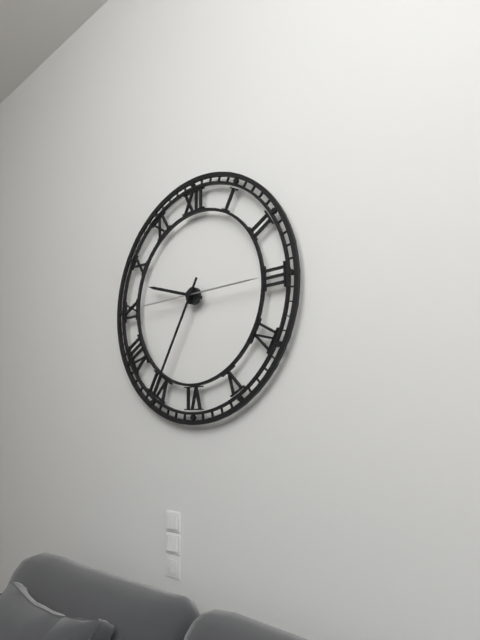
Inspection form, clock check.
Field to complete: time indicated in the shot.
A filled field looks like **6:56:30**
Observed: **9:35:15**
